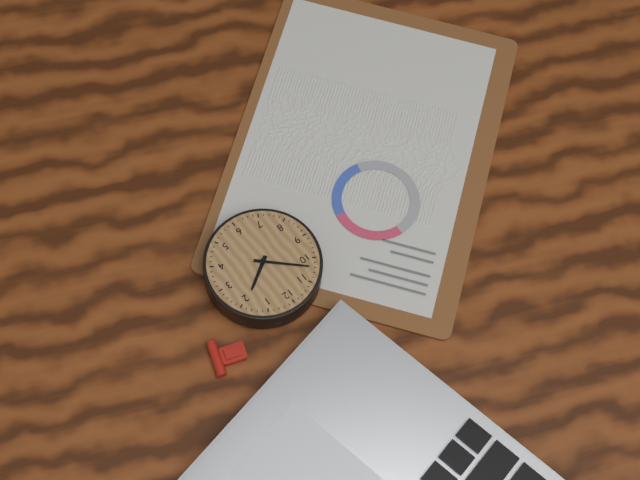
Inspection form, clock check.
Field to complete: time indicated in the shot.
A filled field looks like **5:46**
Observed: **1:52**
